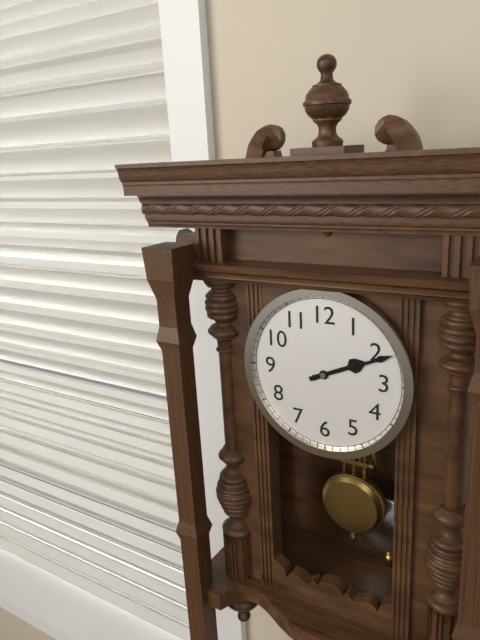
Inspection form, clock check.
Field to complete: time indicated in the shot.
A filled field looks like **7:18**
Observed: **2:11**
